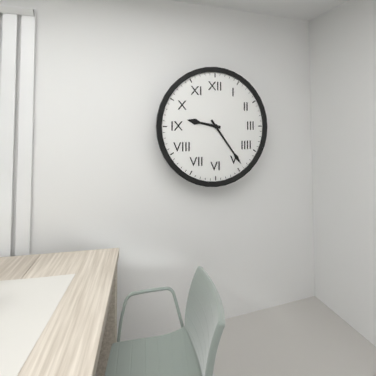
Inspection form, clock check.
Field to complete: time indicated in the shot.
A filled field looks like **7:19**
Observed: **9:24**
